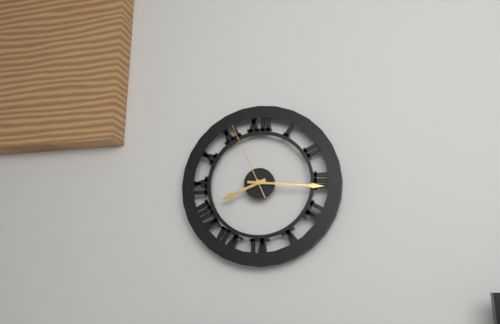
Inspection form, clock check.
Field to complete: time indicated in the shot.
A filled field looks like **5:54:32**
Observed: **8:16:56**
